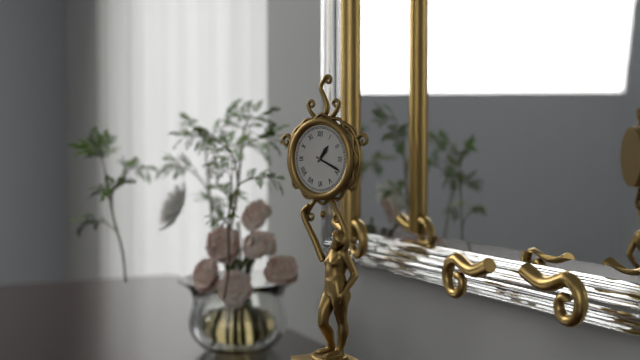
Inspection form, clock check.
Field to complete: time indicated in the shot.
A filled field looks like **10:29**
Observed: **1:19**
